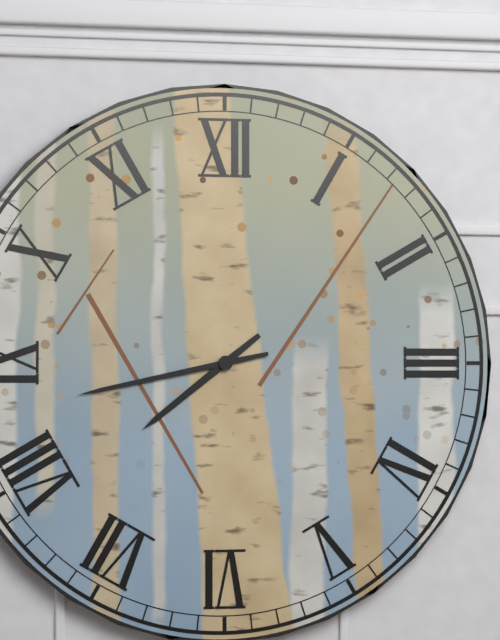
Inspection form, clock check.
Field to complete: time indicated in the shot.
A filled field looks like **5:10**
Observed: **7:43**
